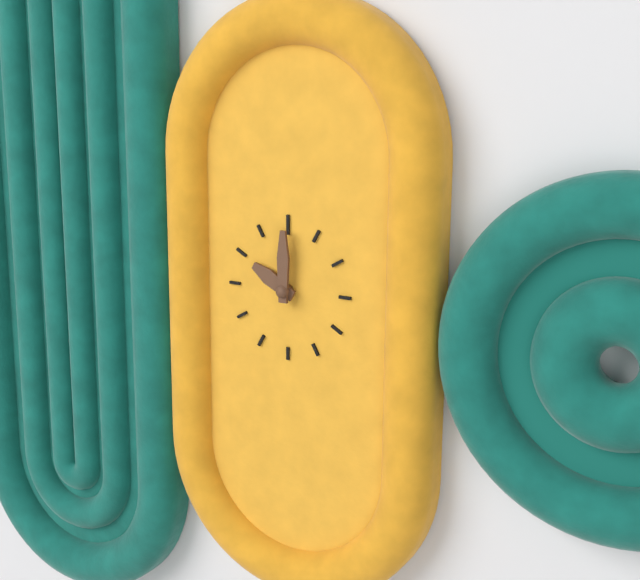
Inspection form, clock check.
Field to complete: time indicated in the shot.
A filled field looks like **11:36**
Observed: **10:00**
